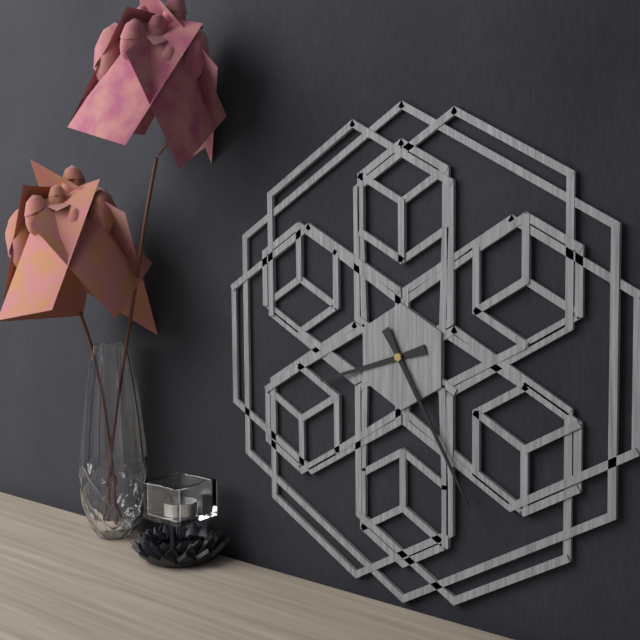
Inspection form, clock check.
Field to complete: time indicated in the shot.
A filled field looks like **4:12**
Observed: **8:25**
